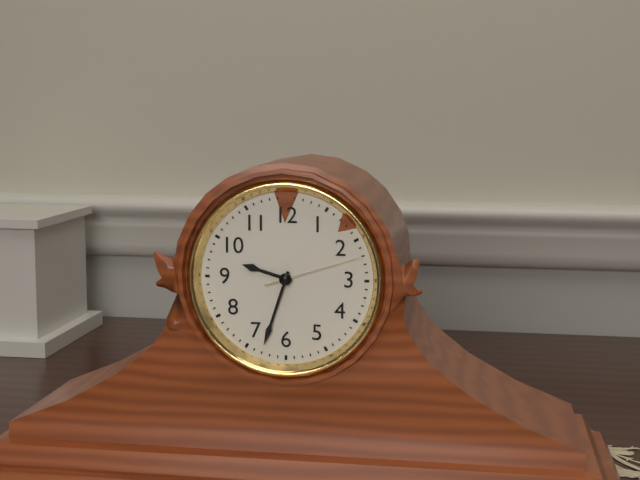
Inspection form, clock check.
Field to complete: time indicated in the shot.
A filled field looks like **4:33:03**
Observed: **9:33:12**
